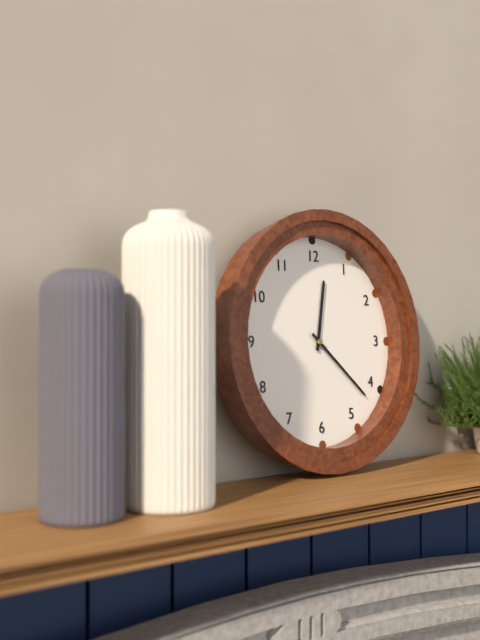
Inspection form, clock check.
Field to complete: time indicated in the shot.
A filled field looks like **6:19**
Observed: **12:22**
